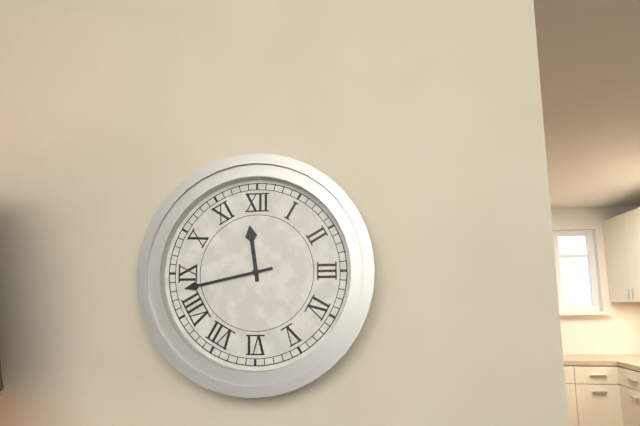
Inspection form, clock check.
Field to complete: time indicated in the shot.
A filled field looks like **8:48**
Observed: **11:43**
